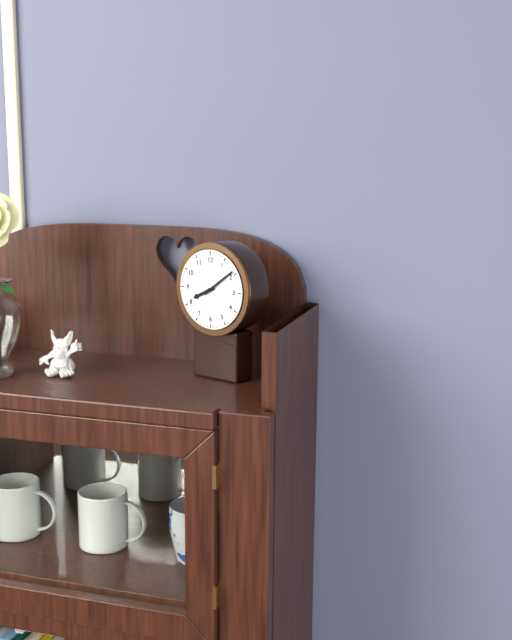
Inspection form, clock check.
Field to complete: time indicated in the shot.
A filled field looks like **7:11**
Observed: **8:09**
